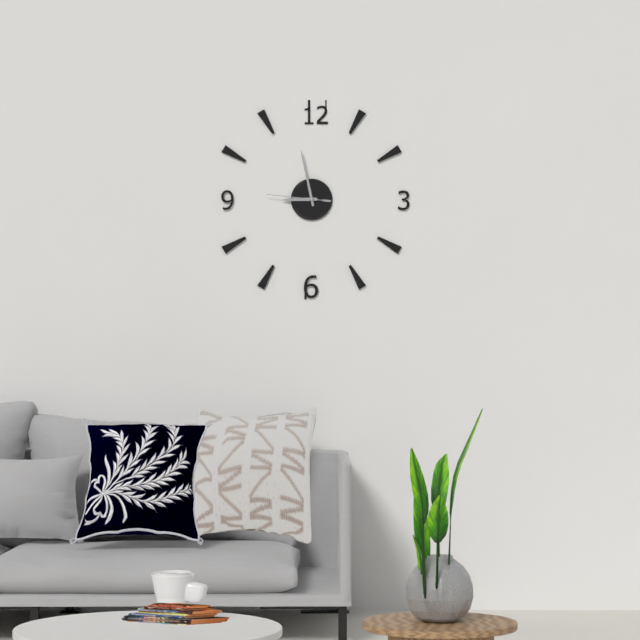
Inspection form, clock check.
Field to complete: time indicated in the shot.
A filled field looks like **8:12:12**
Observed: **8:58:46**
